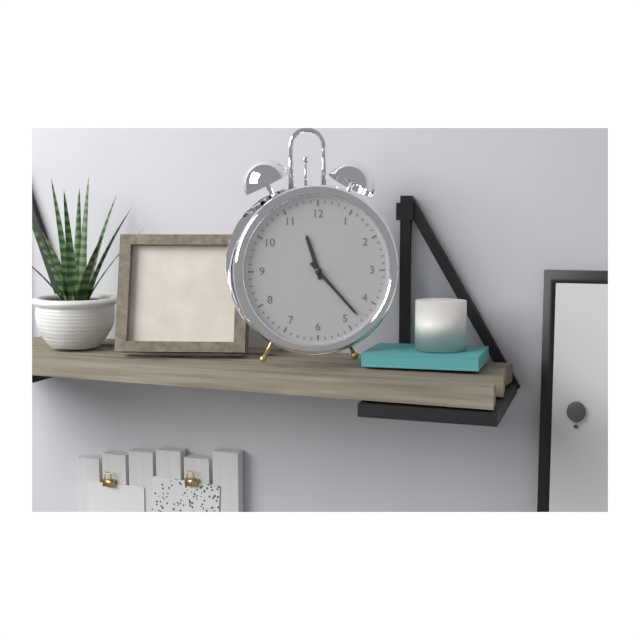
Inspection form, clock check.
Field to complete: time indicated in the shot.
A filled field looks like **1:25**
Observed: **11:23**
